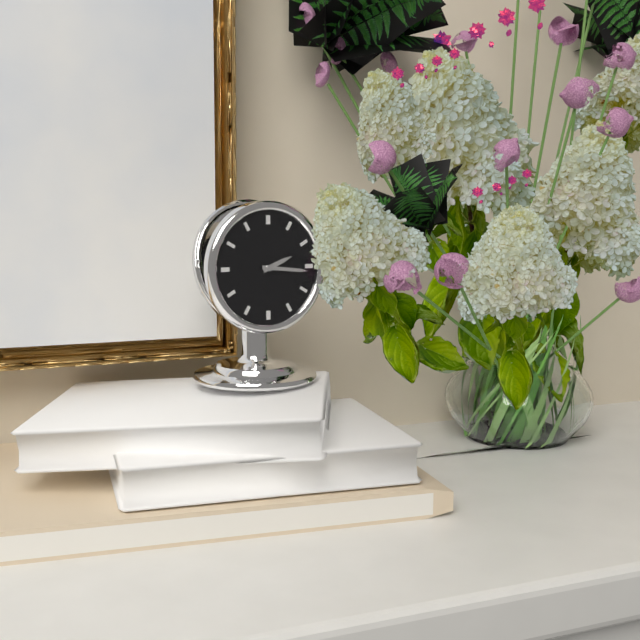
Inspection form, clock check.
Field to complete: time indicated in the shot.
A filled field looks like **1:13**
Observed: **2:16**
